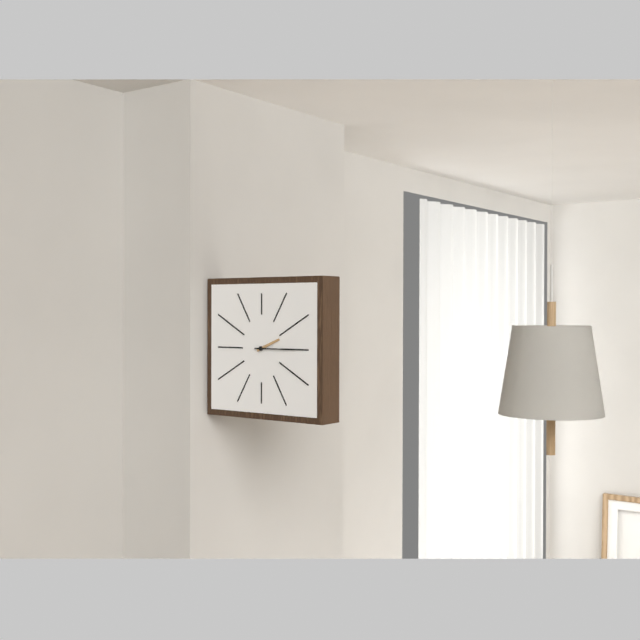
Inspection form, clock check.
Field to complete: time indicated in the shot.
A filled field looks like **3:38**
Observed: **2:15**
